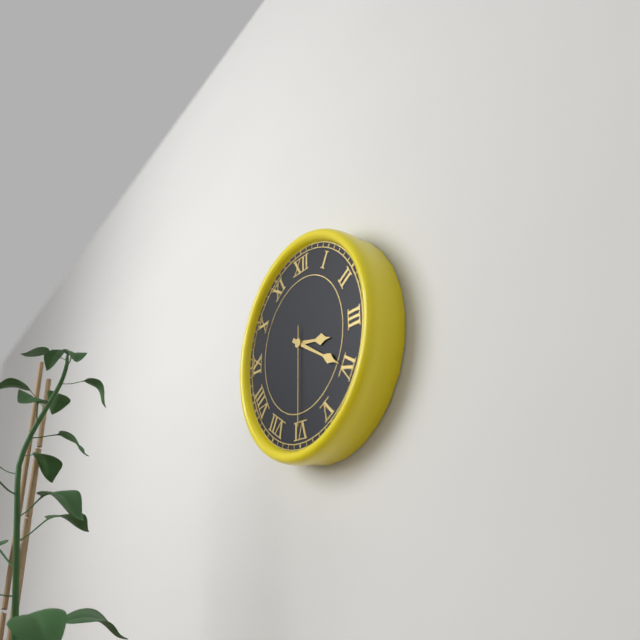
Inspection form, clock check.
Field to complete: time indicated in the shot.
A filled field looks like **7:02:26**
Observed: **3:20:30**
